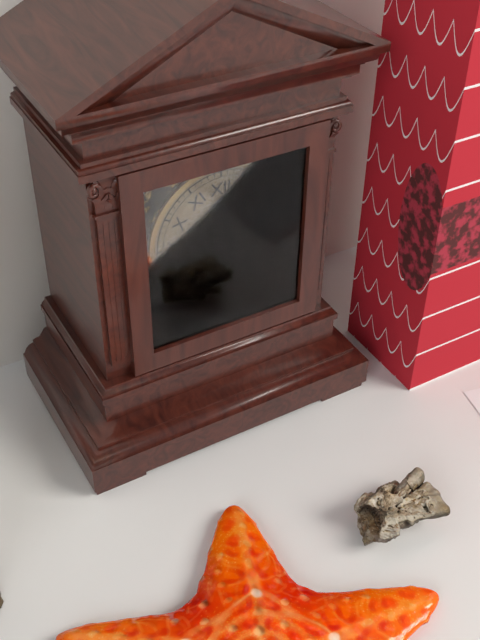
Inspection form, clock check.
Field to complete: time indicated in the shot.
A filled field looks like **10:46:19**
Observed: **1:22:33**
